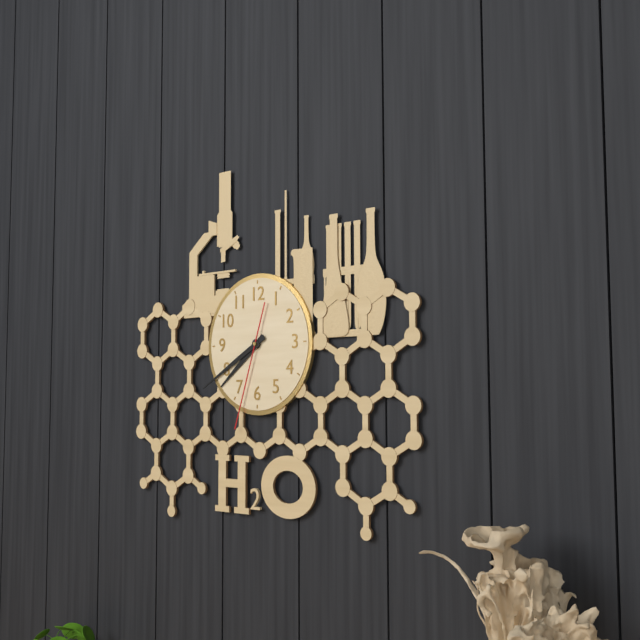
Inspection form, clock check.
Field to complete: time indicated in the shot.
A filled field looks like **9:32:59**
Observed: **7:40:33**
